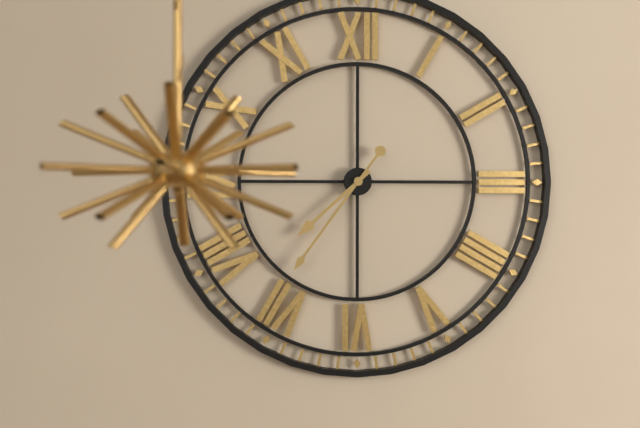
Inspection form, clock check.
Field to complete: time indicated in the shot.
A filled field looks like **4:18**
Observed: **7:36**
